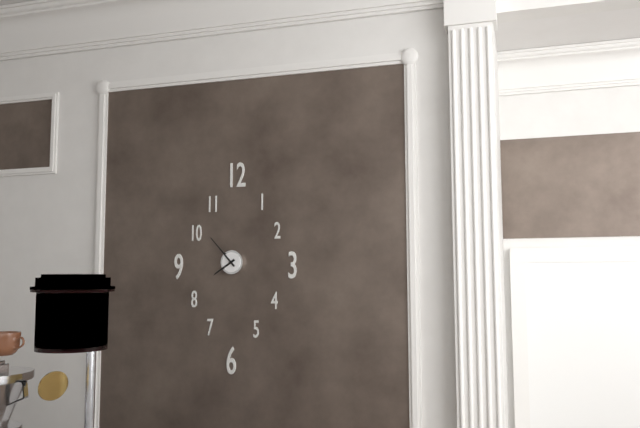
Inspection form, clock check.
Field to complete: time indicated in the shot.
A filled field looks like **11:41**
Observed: **7:53**
